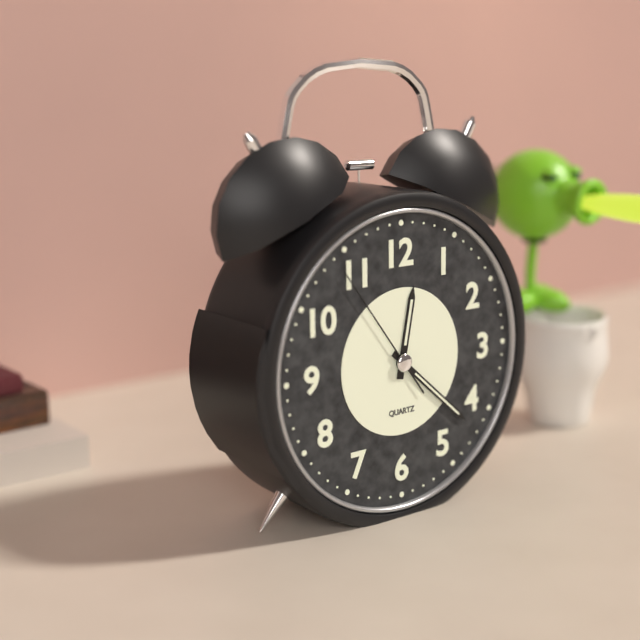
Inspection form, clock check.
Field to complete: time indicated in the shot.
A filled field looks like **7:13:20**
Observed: **12:22:54**
